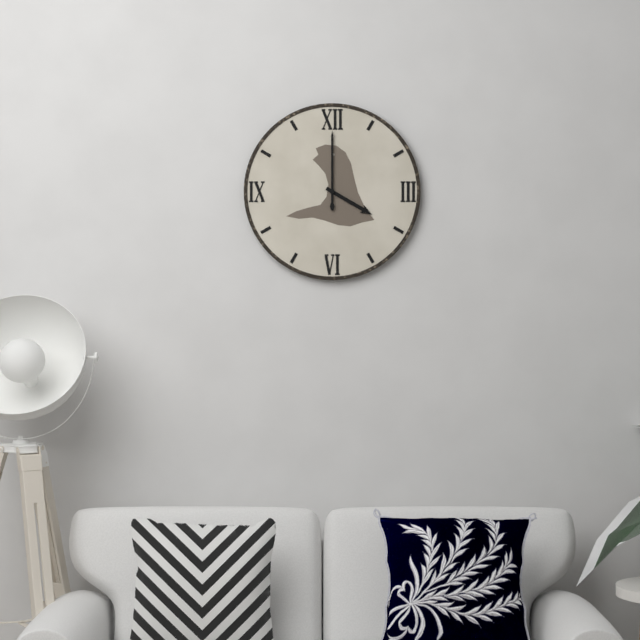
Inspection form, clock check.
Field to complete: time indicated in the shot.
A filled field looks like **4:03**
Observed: **4:00**
